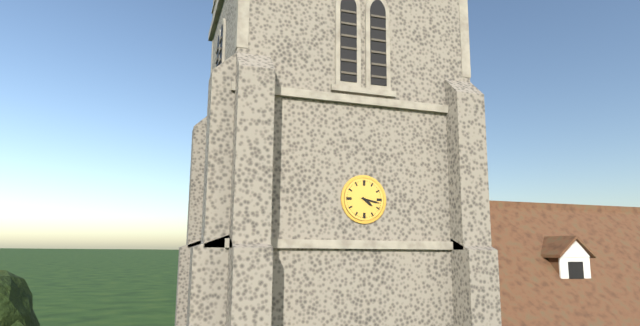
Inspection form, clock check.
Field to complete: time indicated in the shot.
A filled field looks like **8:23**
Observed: **4:17**
